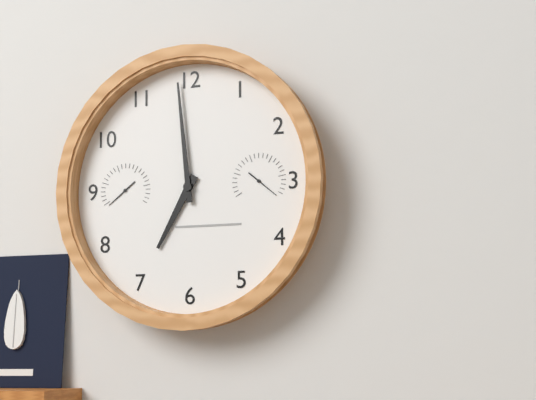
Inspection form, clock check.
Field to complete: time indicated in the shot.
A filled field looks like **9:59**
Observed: **6:59**
